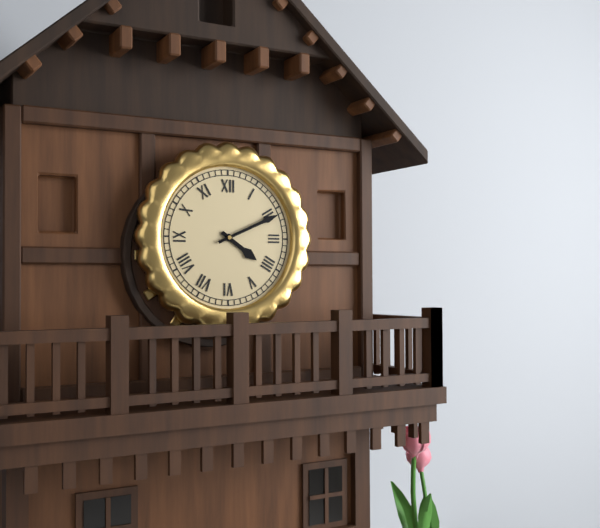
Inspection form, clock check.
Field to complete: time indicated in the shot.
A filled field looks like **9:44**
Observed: **4:11**
